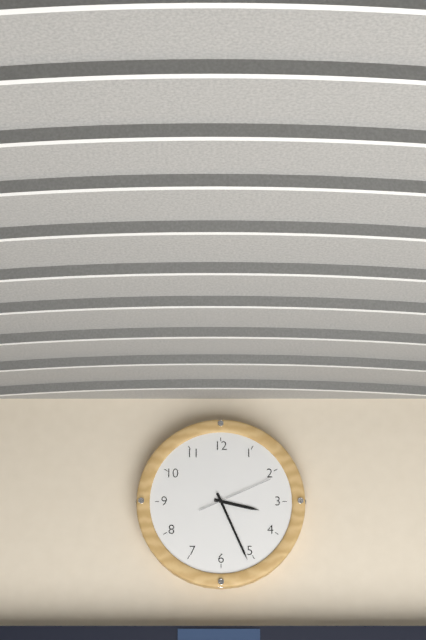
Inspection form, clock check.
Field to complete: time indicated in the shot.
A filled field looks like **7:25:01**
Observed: **3:26:11**
